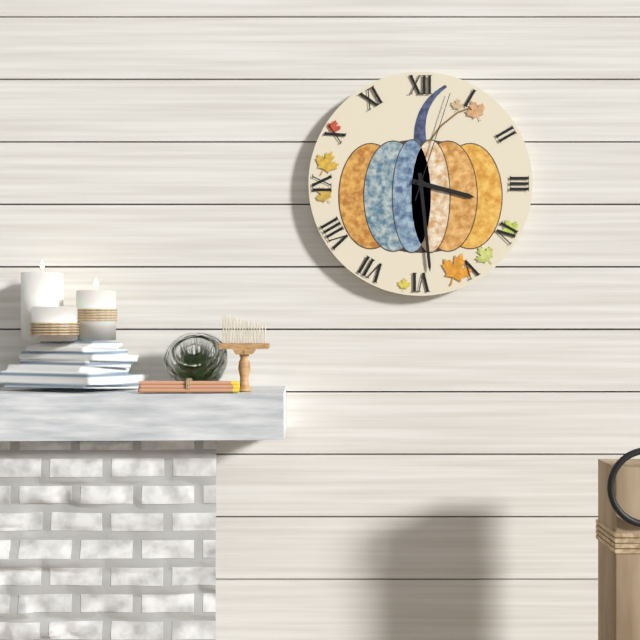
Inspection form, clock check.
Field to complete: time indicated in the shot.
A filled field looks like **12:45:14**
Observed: **3:29:03**
